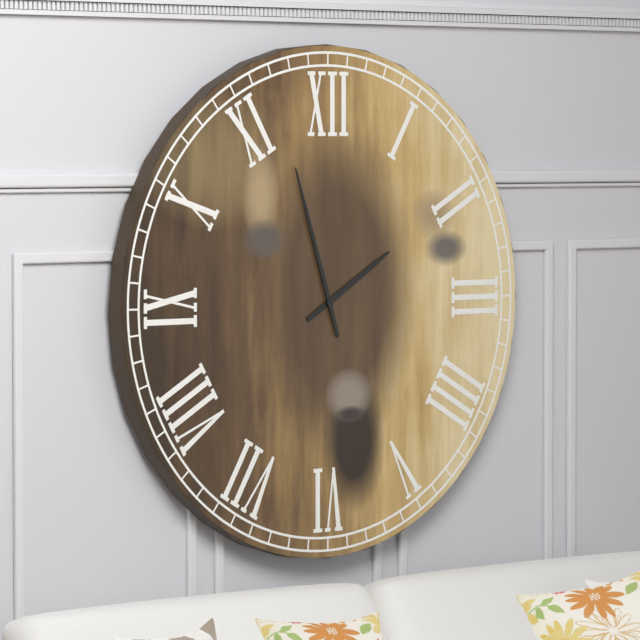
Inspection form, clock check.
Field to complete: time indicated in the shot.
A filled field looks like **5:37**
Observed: **1:57**
